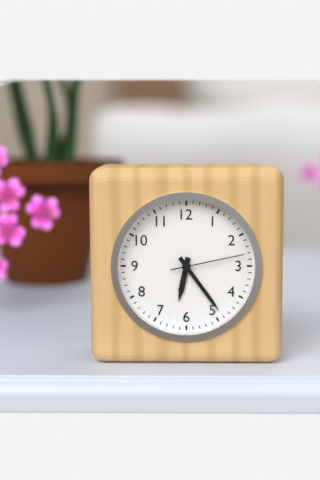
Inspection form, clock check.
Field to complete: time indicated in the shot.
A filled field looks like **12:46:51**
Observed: **6:24:13**
